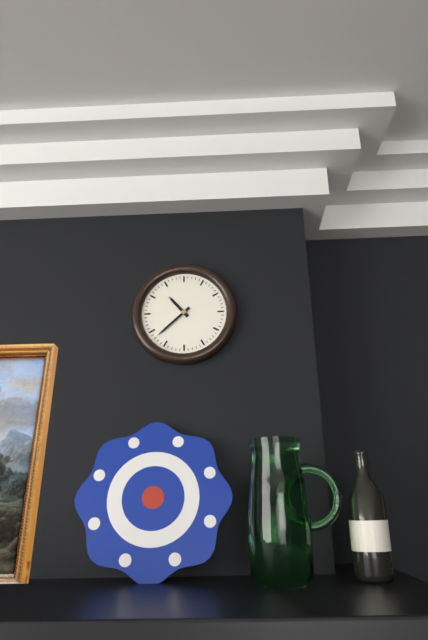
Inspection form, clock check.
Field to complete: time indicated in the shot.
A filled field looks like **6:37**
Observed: **10:38**
